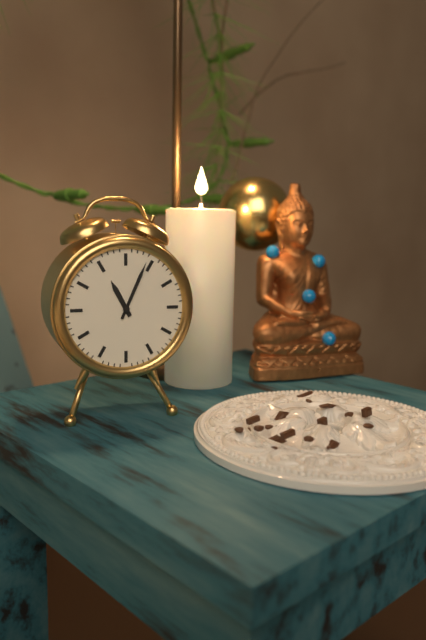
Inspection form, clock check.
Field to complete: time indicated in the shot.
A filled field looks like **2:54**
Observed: **11:04**
